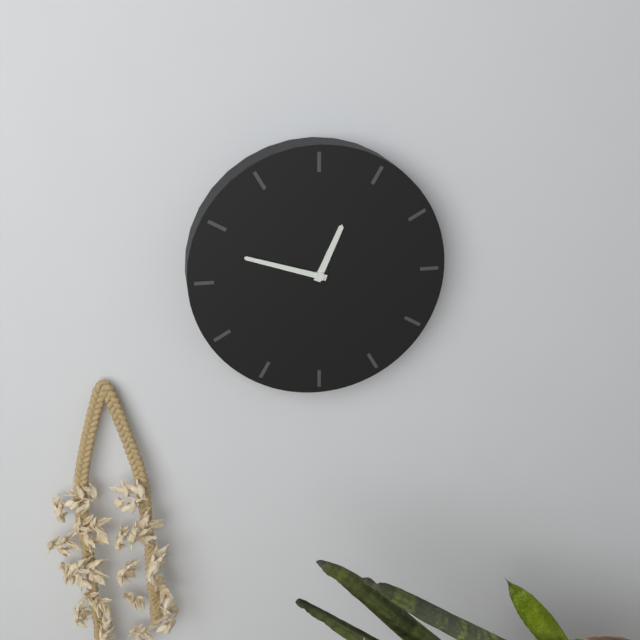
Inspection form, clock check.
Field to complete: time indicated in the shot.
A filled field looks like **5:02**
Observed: **12:48**
